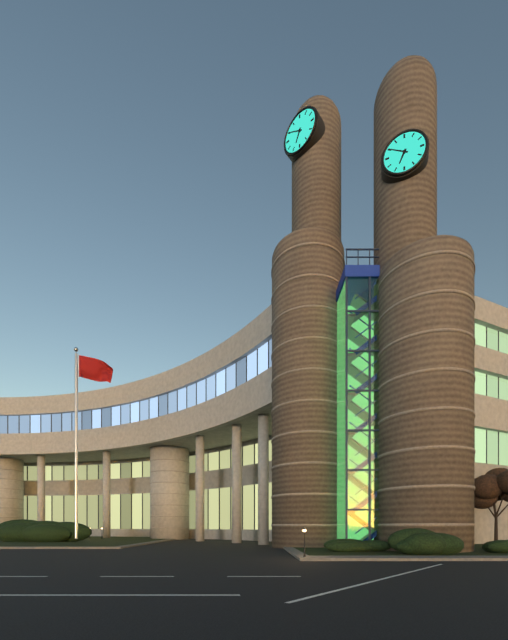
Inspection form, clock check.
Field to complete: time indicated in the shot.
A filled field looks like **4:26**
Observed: **6:50**
